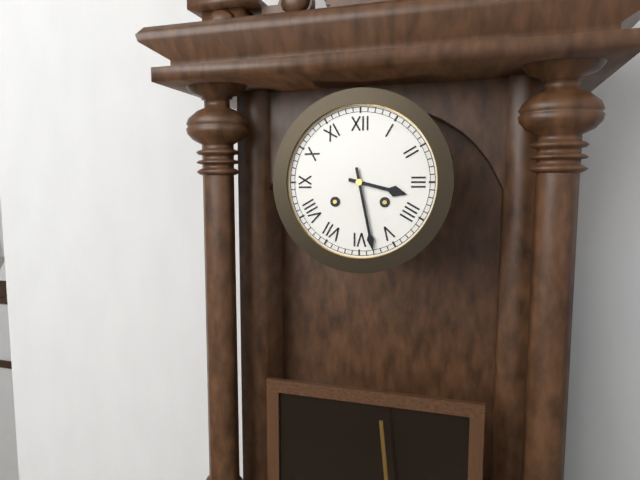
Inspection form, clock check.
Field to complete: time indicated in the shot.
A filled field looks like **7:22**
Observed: **3:28**
